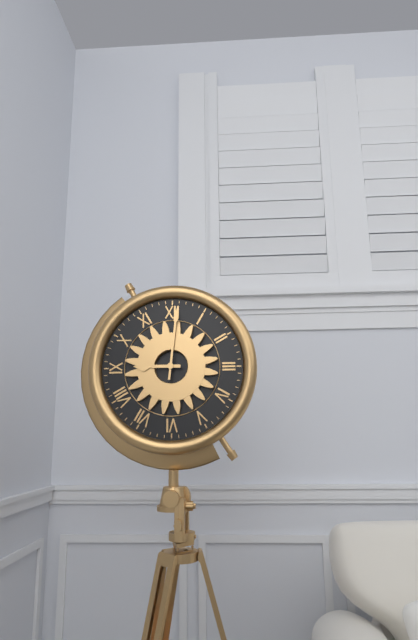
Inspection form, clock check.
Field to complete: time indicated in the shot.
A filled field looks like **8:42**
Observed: **9:01**
